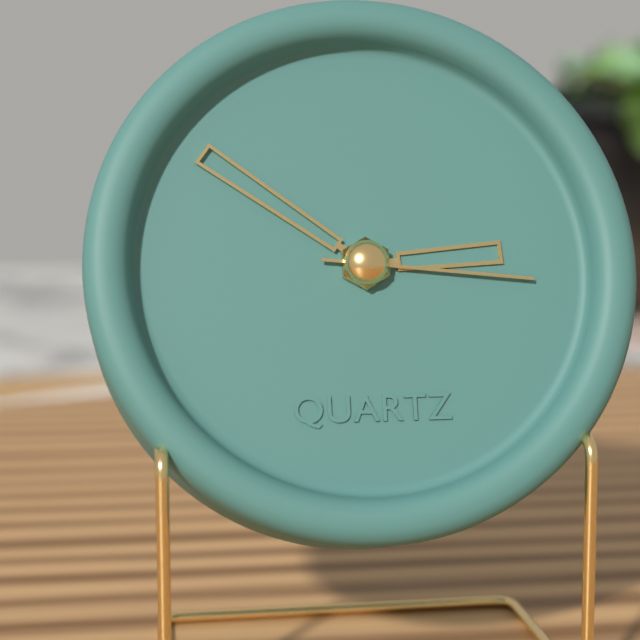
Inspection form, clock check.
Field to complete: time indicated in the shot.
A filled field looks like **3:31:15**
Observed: **2:51:16**
